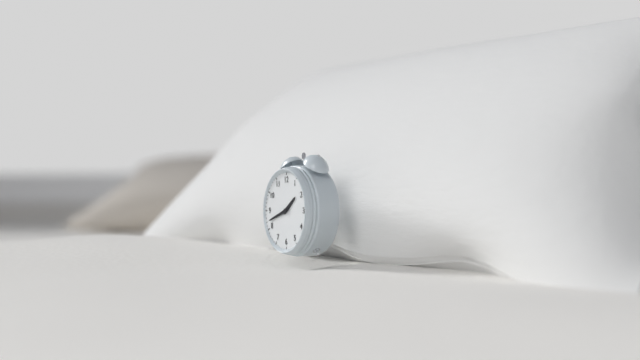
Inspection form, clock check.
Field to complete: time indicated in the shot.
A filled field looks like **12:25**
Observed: **1:42**
